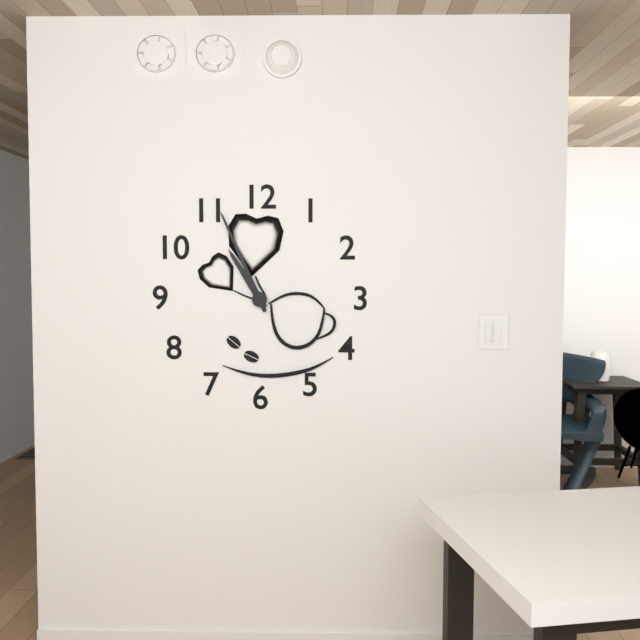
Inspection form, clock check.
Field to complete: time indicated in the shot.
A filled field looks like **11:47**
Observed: **10:56**
